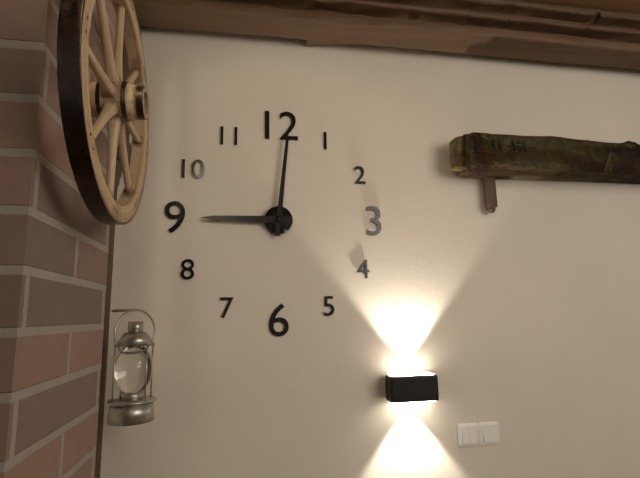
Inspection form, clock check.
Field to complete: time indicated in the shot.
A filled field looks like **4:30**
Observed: **9:01**
